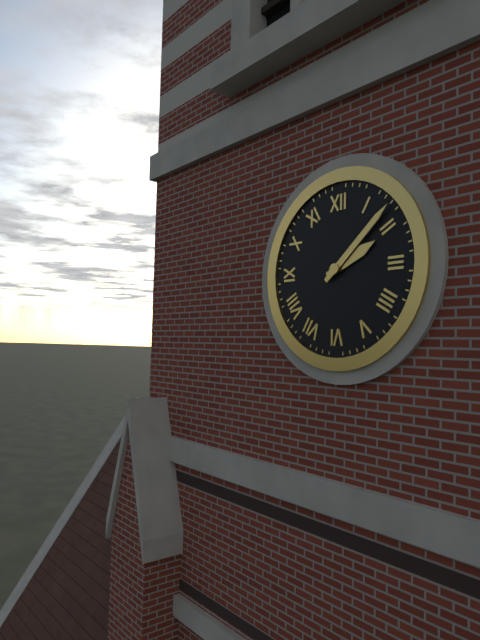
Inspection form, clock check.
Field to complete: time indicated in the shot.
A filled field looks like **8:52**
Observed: **2:08**
